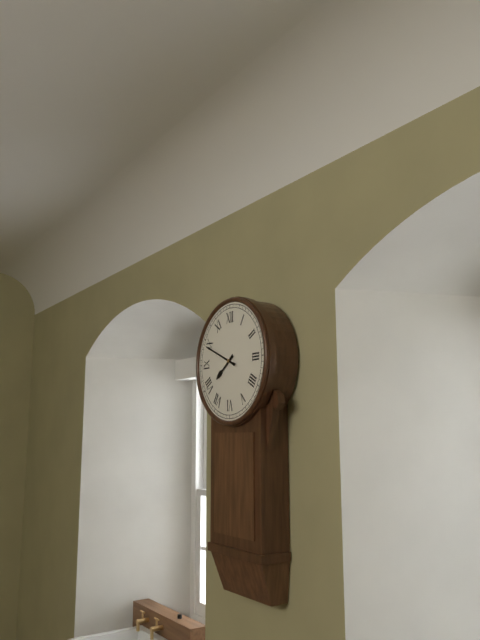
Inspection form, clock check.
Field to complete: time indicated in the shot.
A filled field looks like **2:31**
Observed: **7:49**
